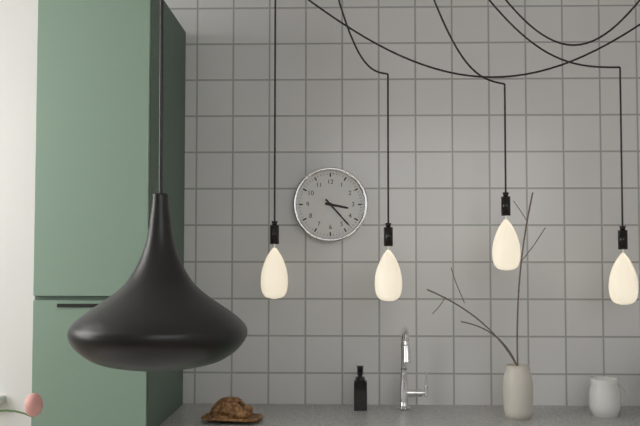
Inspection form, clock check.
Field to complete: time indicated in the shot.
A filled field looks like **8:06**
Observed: **3:23**
